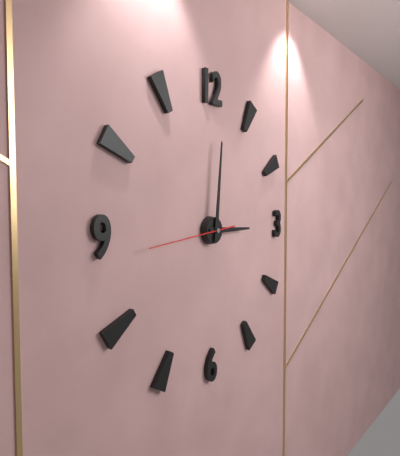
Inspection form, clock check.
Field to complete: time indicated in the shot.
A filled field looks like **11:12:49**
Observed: **3:01:44**
